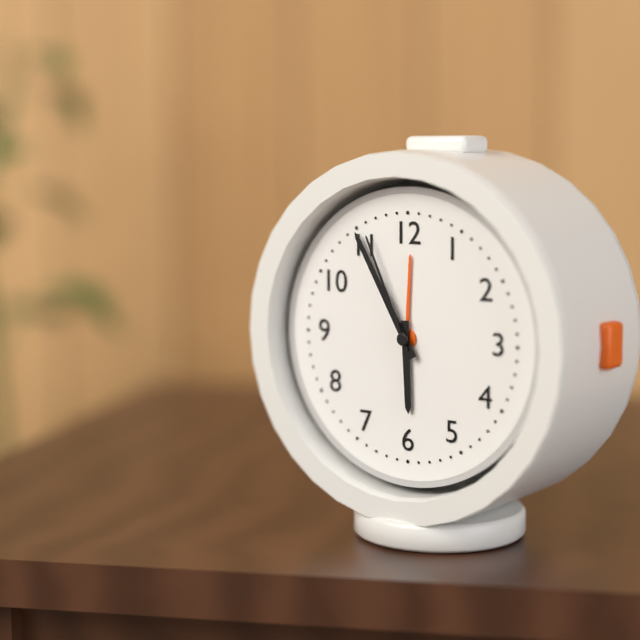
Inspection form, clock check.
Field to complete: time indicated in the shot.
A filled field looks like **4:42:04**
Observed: **5:55:56**
